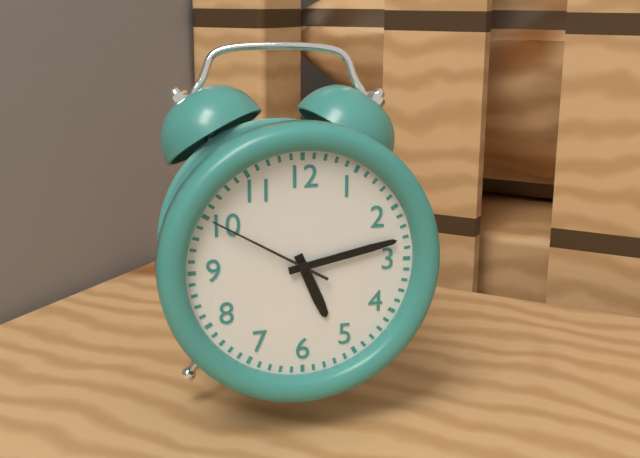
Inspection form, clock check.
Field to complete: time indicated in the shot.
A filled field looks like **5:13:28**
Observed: **5:13:50**
